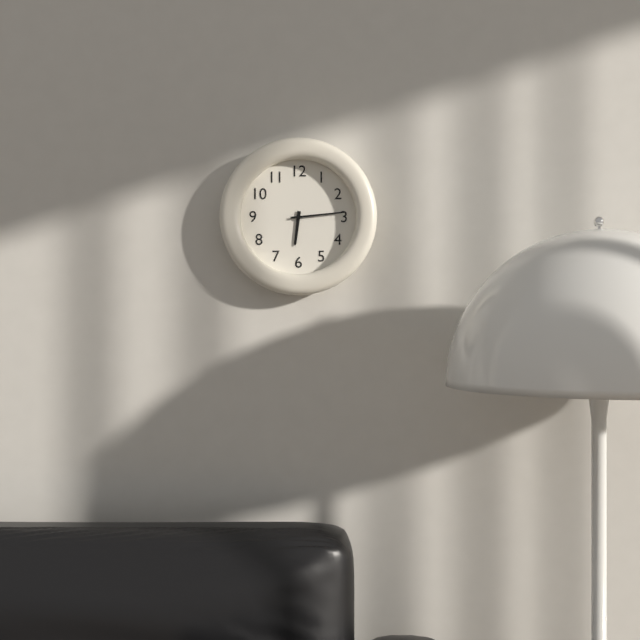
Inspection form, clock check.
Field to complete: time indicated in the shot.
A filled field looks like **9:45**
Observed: **6:14**
